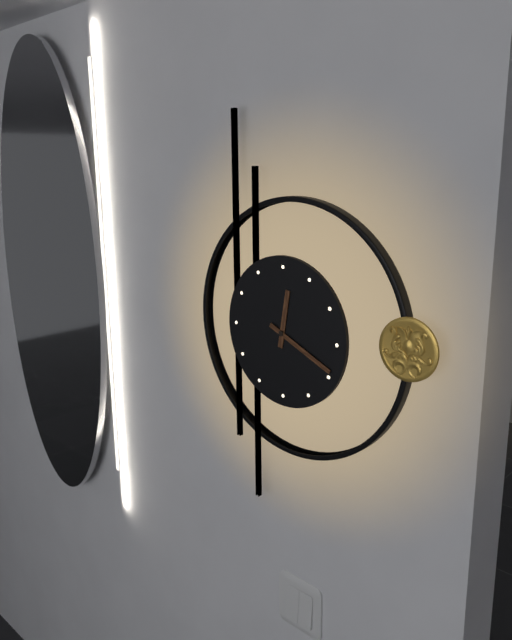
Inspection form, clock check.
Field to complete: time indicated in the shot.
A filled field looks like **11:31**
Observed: **12:19**
